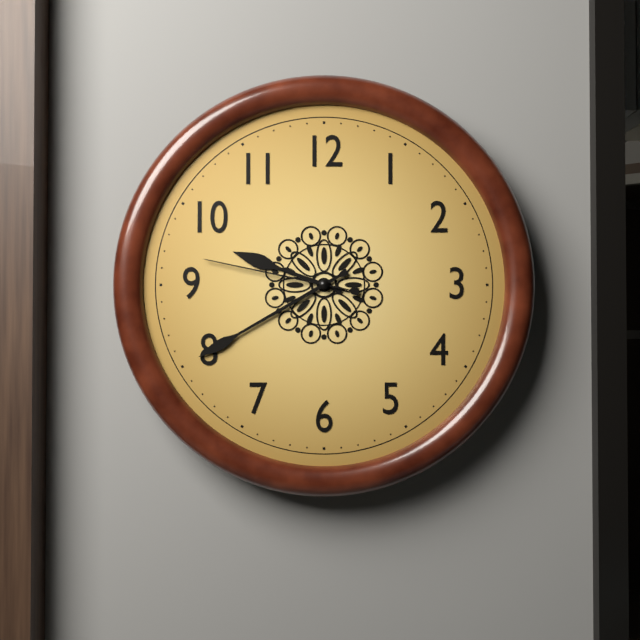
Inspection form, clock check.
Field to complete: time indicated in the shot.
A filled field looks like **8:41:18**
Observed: **9:40:47**
